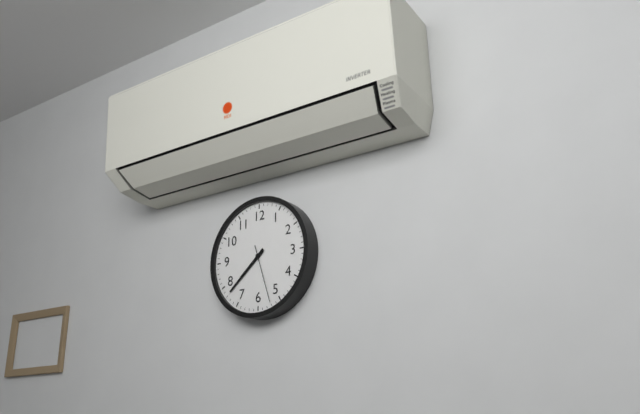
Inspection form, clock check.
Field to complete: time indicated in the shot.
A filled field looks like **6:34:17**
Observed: **7:38:27**
